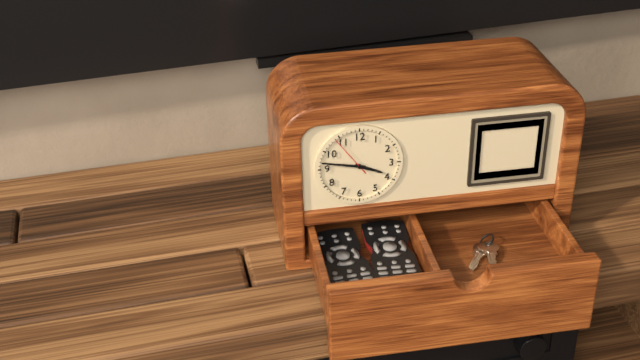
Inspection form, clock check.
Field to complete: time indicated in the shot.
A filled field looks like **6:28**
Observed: **3:47**
